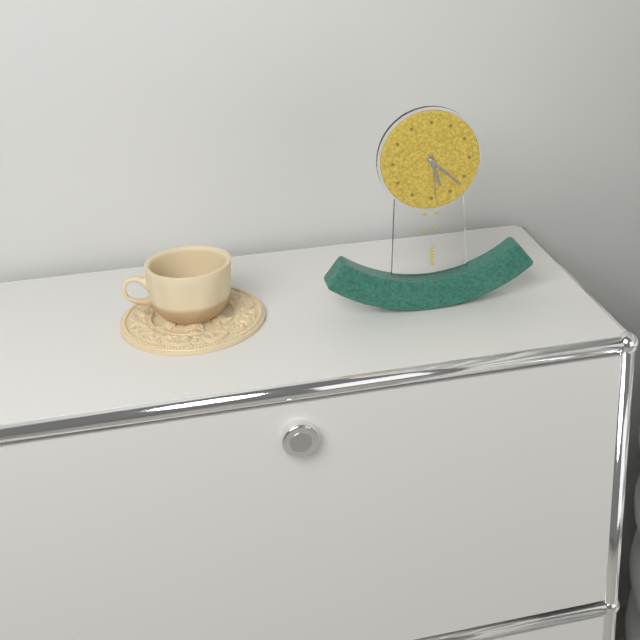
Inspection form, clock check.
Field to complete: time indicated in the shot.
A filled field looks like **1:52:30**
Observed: **5:22:29**
